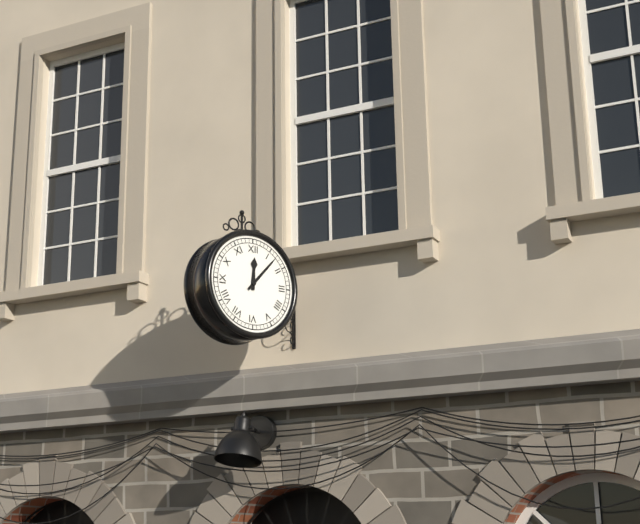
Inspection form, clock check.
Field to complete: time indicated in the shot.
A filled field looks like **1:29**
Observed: **12:07**
